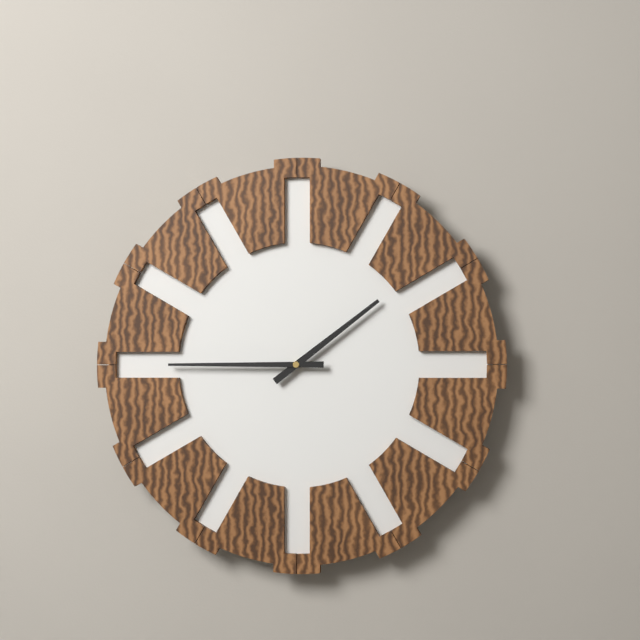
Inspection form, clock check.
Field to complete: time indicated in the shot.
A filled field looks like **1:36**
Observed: **1:45**
